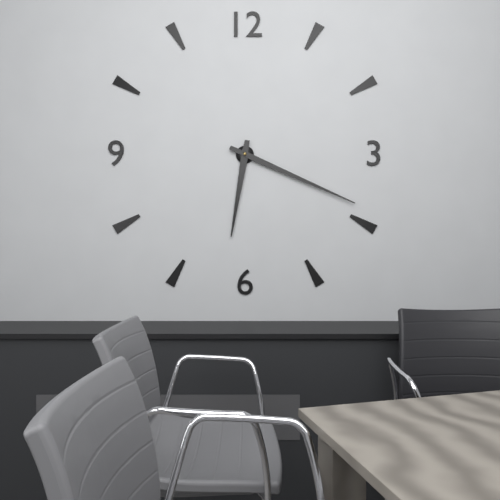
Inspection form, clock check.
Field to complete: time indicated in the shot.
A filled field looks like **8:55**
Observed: **6:19**
